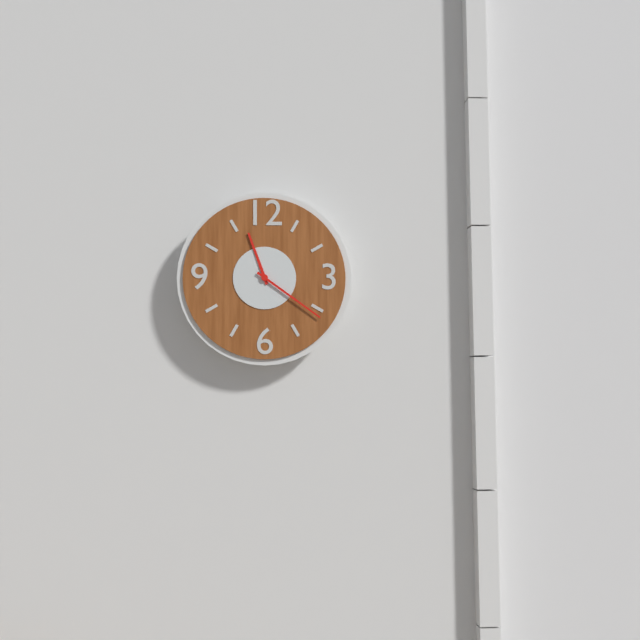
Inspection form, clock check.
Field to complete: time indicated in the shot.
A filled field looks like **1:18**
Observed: **11:21**
